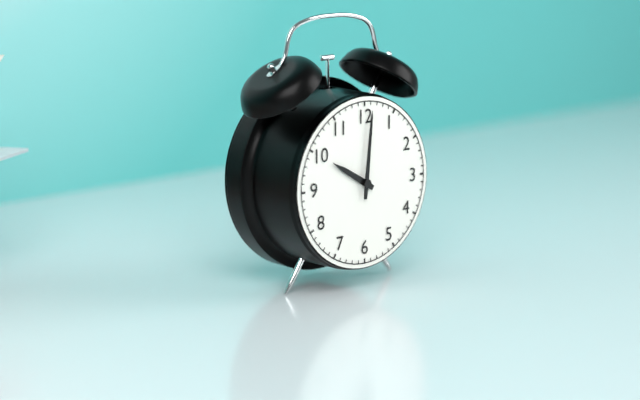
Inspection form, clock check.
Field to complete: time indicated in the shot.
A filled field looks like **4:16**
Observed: **10:01**
